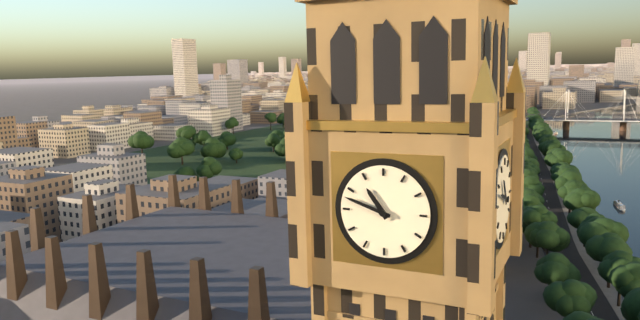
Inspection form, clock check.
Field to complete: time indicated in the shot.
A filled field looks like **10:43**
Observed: **10:48**
